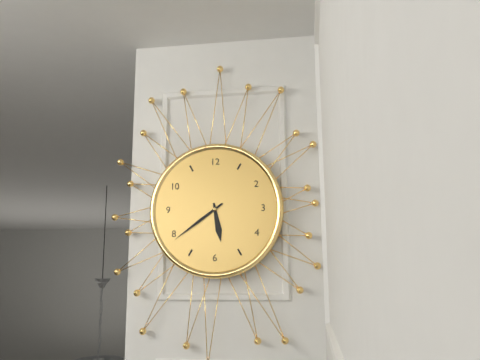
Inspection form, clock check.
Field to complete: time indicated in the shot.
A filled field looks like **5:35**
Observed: **5:39**
